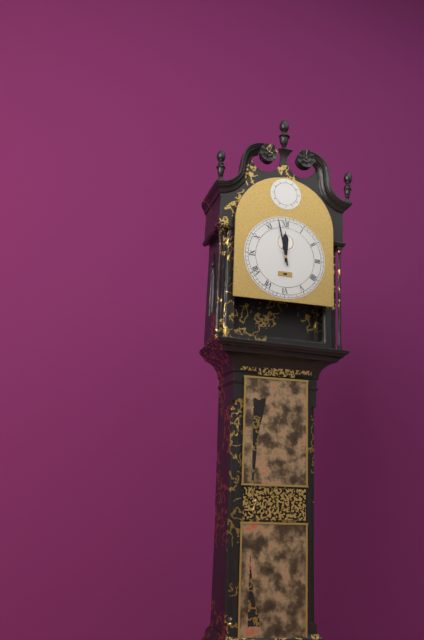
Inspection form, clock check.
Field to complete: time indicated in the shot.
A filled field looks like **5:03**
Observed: **11:58**
